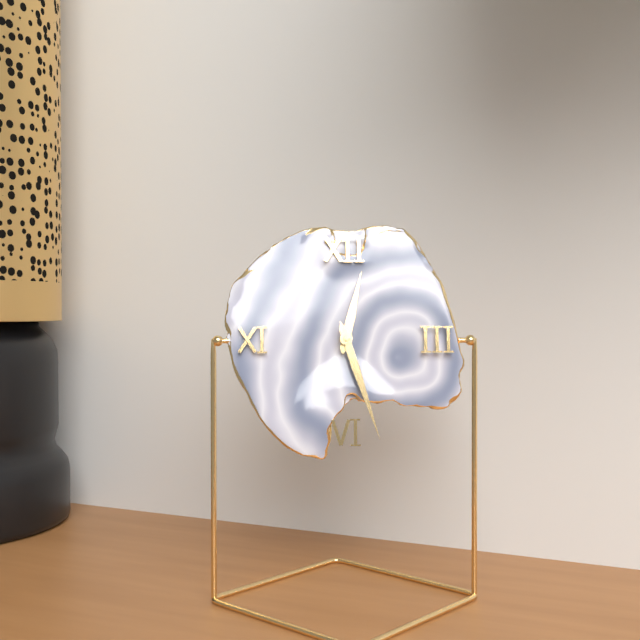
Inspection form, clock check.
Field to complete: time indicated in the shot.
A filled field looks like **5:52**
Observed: **12:27**
